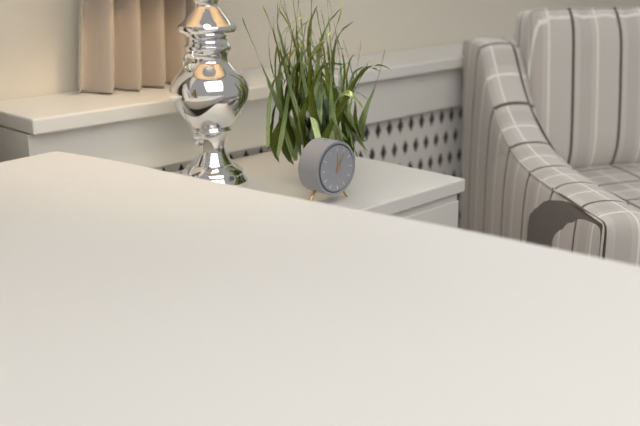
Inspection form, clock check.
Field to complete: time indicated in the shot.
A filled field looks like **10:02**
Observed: **12:05**
